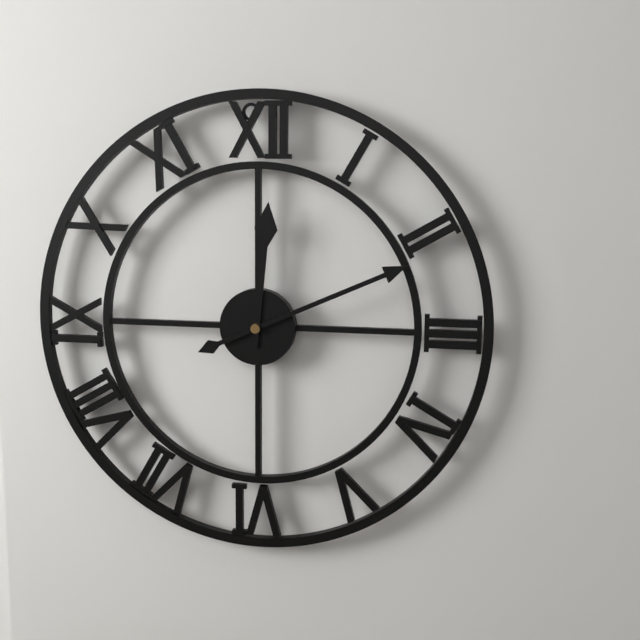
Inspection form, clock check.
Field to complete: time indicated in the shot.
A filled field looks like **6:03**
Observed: **12:11**
